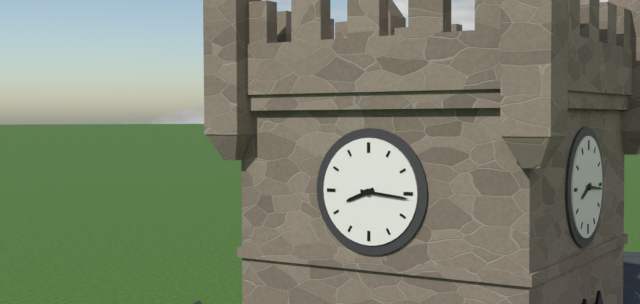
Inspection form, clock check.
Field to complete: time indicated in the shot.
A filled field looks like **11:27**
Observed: **8:16**
